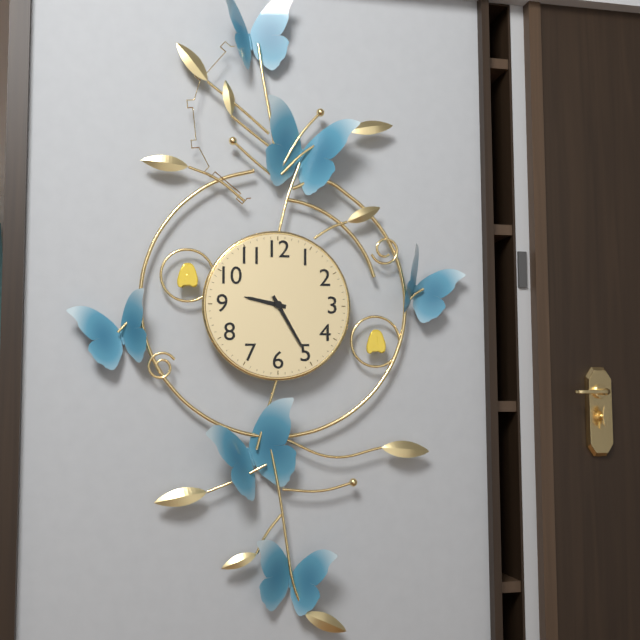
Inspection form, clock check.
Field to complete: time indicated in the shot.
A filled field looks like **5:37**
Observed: **9:25**
